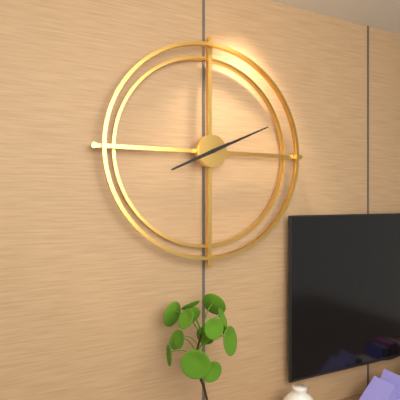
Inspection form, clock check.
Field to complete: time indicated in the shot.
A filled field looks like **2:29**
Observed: **8:11**
